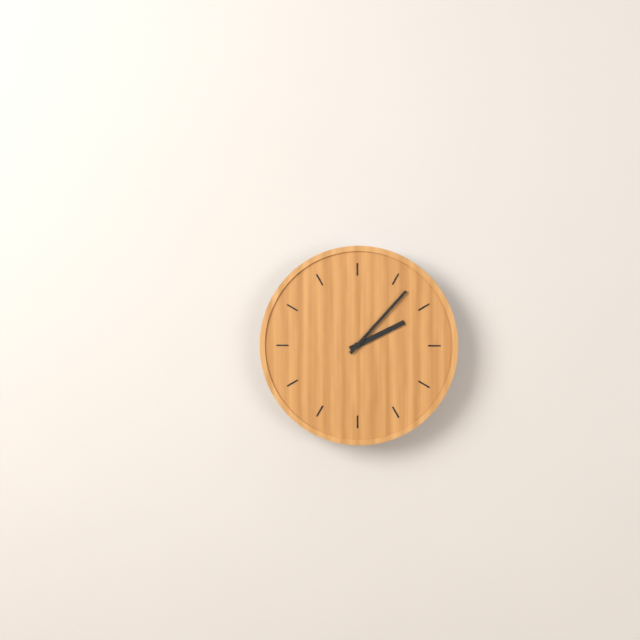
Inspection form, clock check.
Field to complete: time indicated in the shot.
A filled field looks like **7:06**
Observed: **2:07**
